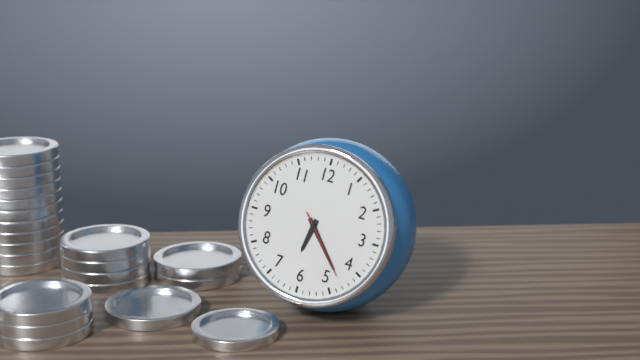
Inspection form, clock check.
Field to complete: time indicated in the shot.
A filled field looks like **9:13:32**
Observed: **6:23:23**
